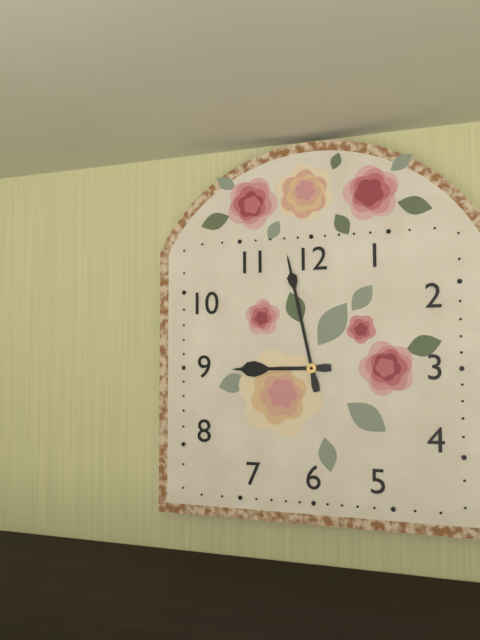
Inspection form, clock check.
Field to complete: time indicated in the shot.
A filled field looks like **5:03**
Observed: **8:58**
